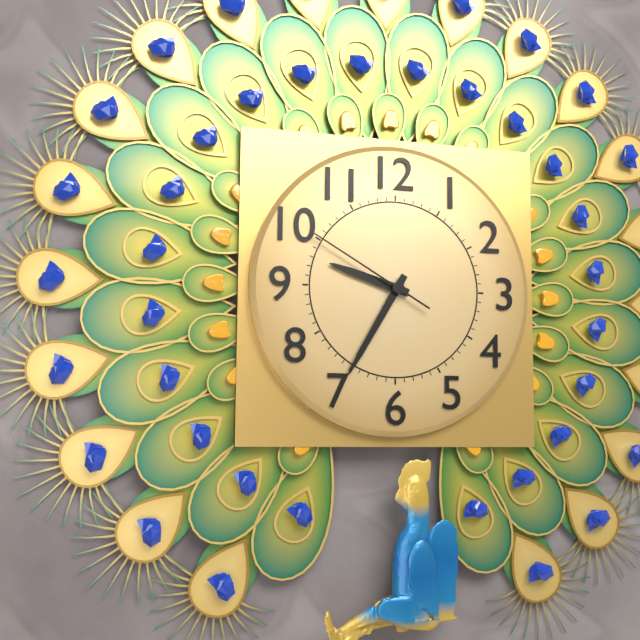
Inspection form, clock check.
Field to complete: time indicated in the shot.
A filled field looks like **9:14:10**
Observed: **9:35:50**
